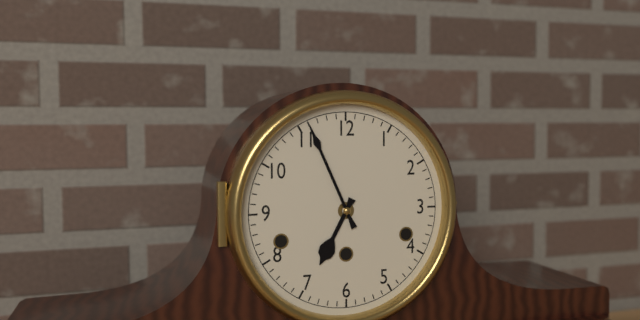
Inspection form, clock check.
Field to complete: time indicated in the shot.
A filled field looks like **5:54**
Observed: **6:56**
